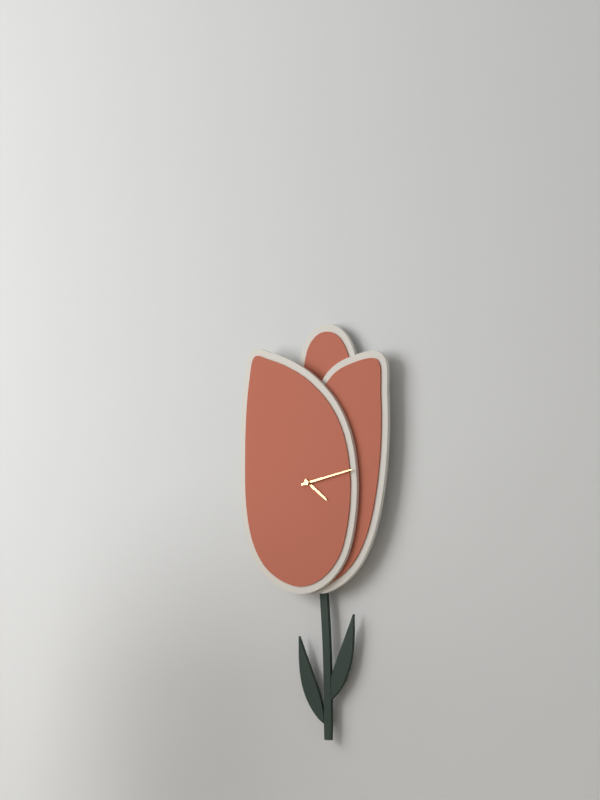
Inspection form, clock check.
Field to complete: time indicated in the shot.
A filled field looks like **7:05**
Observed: **4:13**
